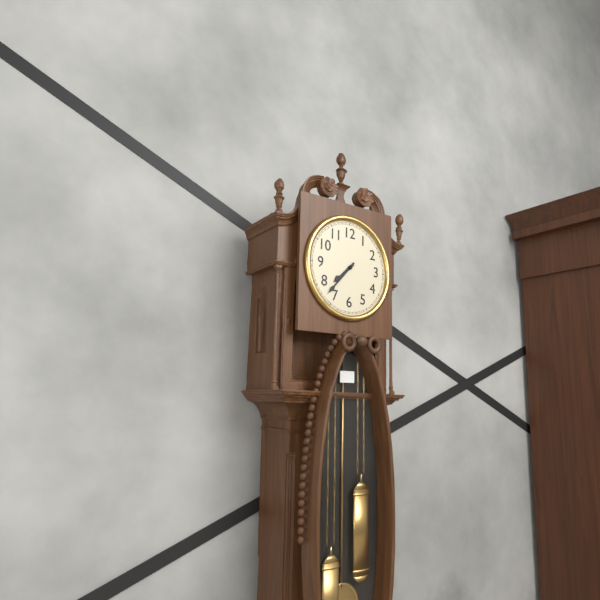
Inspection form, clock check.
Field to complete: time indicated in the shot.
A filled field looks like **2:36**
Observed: **7:37**
